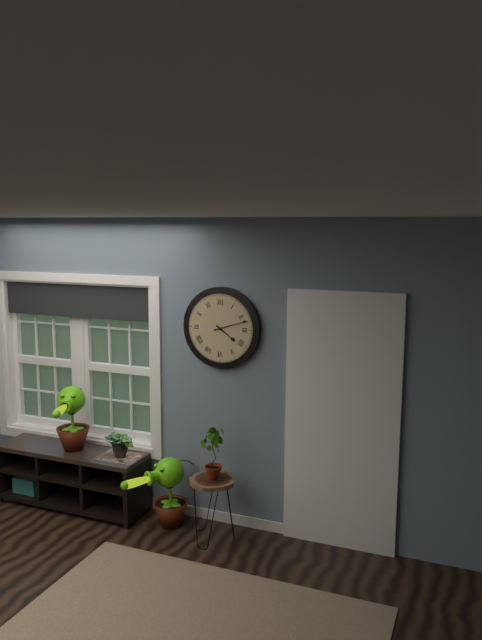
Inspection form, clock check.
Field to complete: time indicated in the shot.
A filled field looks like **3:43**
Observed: **4:12**
